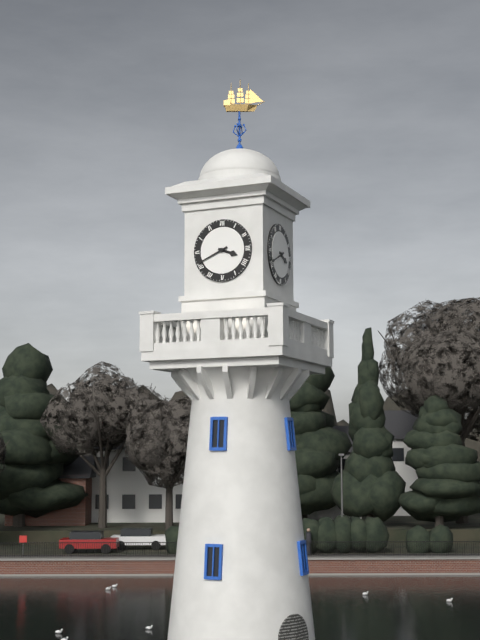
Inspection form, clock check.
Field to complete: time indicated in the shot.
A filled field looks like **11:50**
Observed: **3:41**
